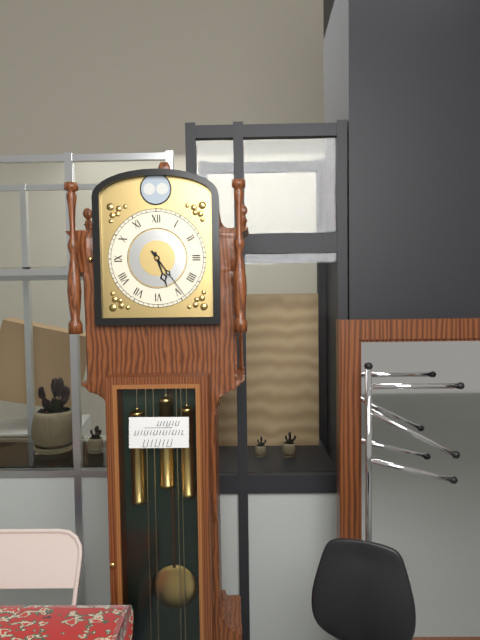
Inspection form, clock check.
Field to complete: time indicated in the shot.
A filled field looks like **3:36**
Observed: **5:24**
